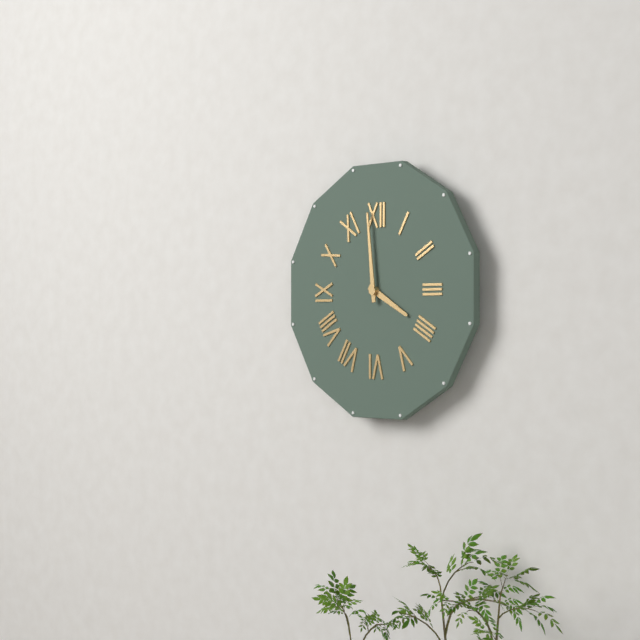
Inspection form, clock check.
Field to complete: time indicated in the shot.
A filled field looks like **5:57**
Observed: **3:59**
